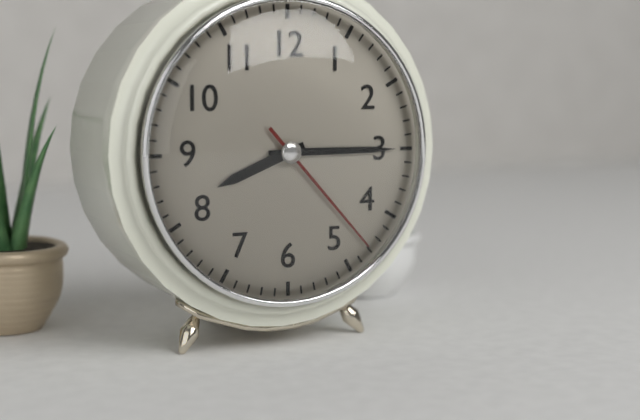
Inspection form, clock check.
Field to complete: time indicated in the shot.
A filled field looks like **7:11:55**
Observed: **8:15:23**
